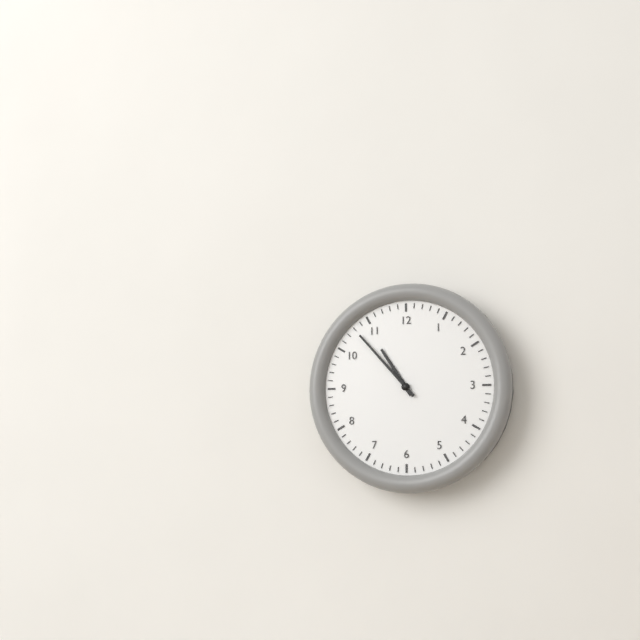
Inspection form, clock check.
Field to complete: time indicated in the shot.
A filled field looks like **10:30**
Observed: **10:53**
